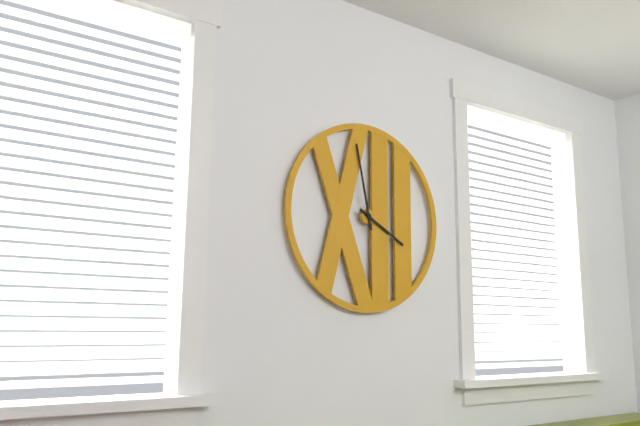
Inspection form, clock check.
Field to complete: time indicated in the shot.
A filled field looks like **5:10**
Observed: **3:58**
